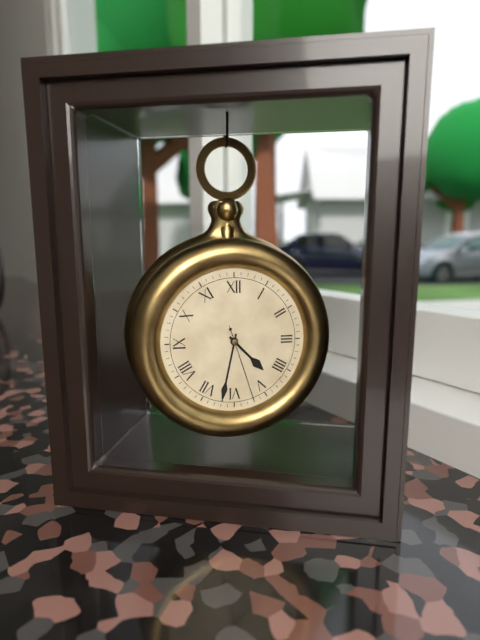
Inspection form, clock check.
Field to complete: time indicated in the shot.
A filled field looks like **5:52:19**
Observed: **4:32:27**
